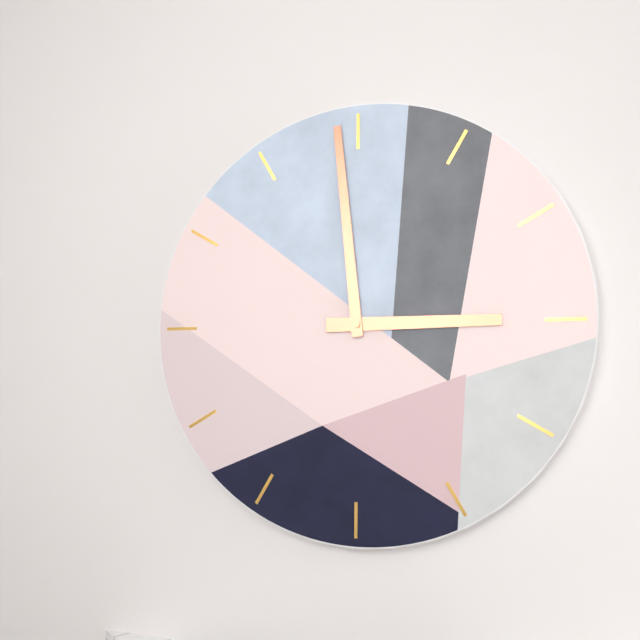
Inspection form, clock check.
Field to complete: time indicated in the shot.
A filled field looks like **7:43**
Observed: **2:59**
